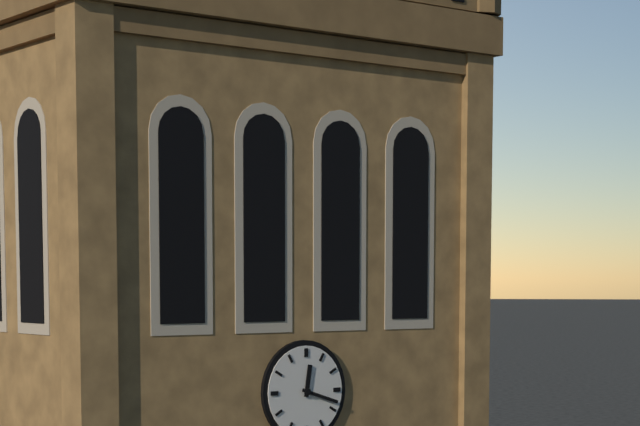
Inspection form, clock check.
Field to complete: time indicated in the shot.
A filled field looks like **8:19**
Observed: **12:18**
